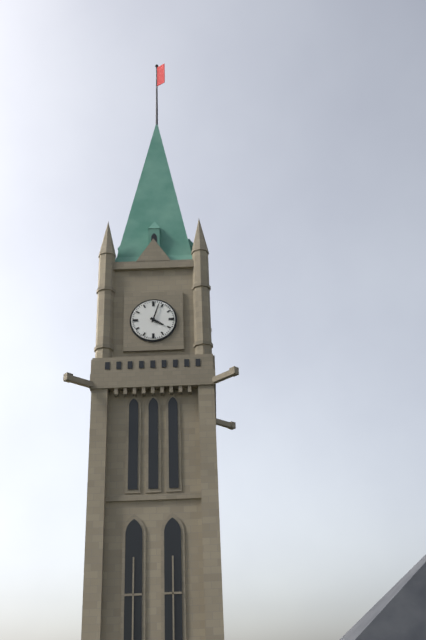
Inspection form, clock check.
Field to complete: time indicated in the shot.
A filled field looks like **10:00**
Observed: **4:03**
